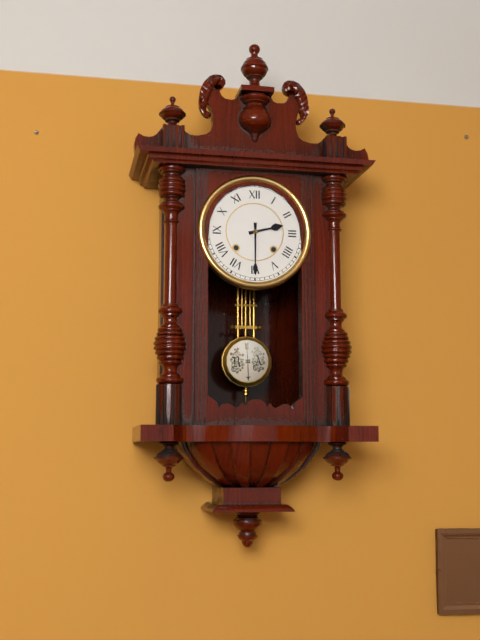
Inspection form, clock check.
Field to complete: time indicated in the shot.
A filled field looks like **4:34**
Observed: **2:30**
